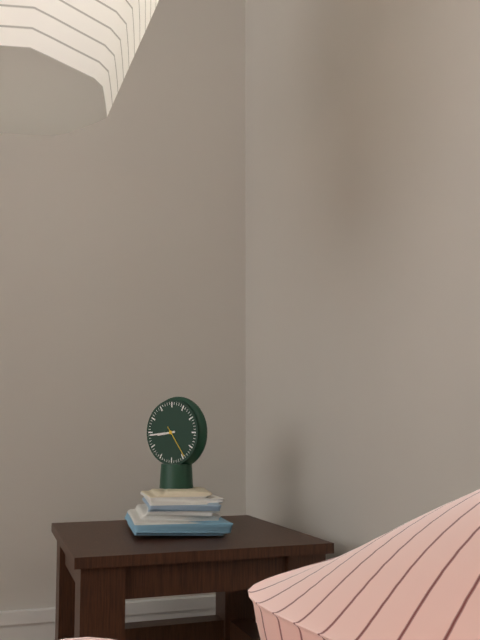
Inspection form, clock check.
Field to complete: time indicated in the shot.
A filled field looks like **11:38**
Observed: **8:44**
